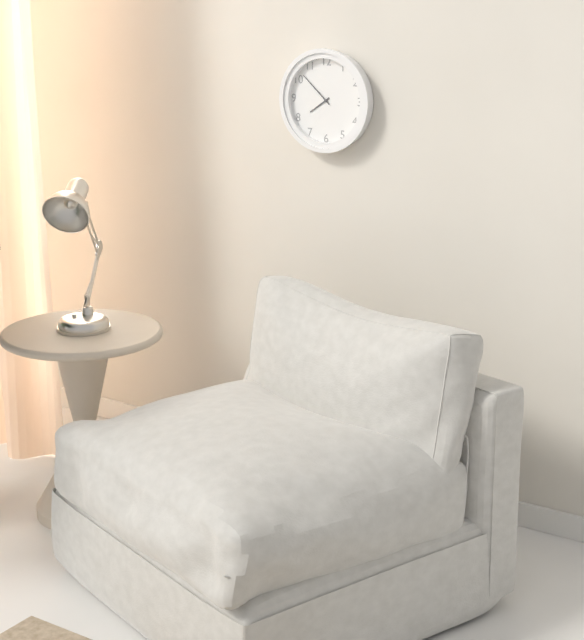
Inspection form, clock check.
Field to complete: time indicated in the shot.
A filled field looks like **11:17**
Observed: **7:52**
